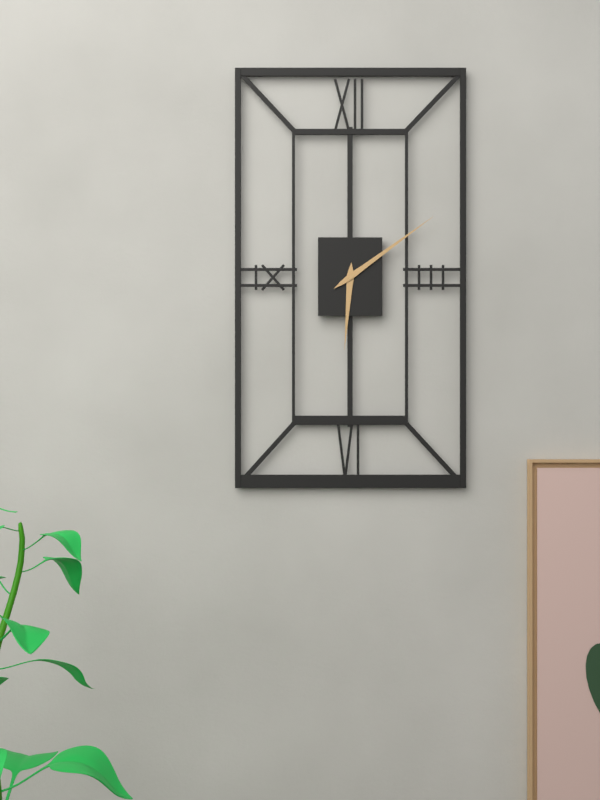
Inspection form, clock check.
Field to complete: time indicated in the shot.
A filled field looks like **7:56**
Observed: **6:09**
